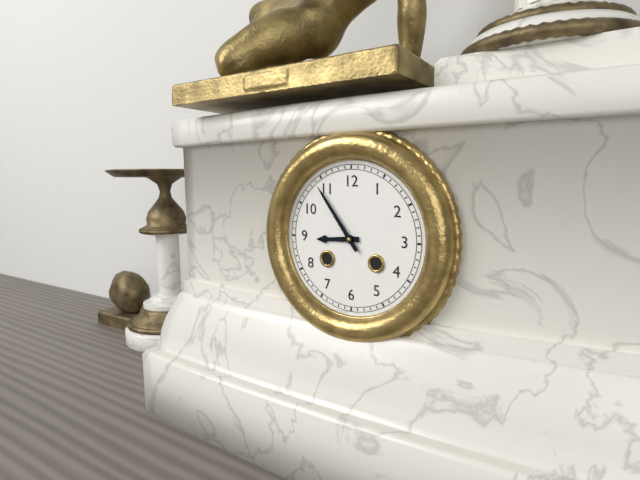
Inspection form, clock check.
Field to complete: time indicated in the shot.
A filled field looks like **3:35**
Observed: **8:54**
